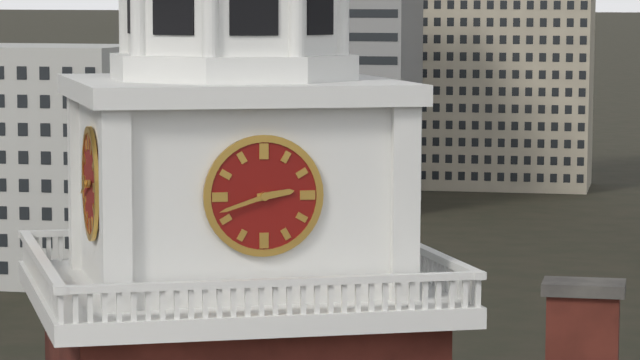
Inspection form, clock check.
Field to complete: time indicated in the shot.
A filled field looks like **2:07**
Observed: **2:42**
